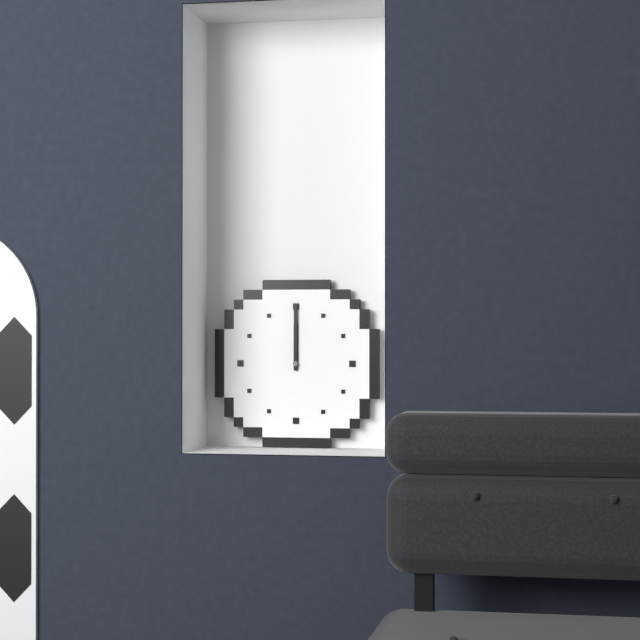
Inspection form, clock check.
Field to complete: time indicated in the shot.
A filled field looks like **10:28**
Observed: **12:00**
